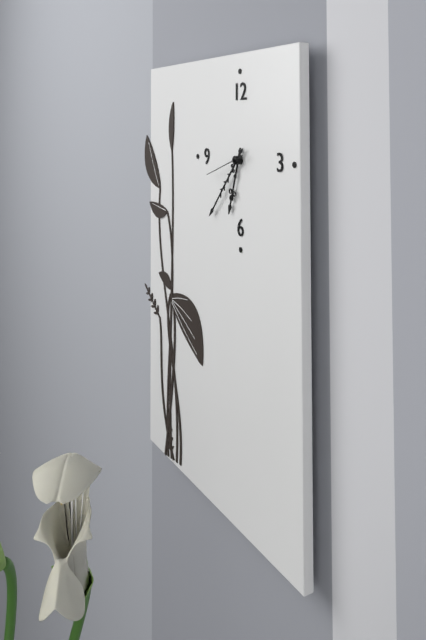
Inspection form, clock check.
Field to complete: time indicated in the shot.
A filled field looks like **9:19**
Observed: **6:37**
